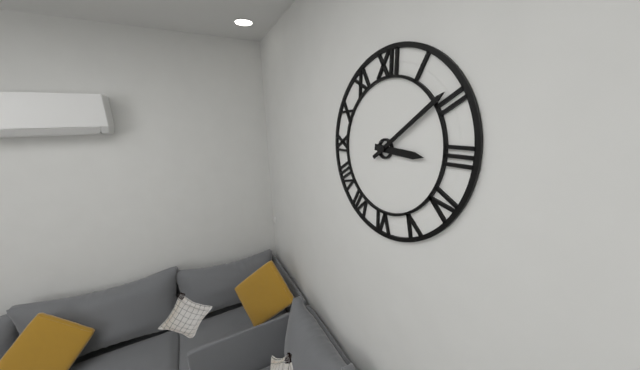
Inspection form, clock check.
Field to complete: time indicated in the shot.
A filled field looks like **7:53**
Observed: **3:09**
